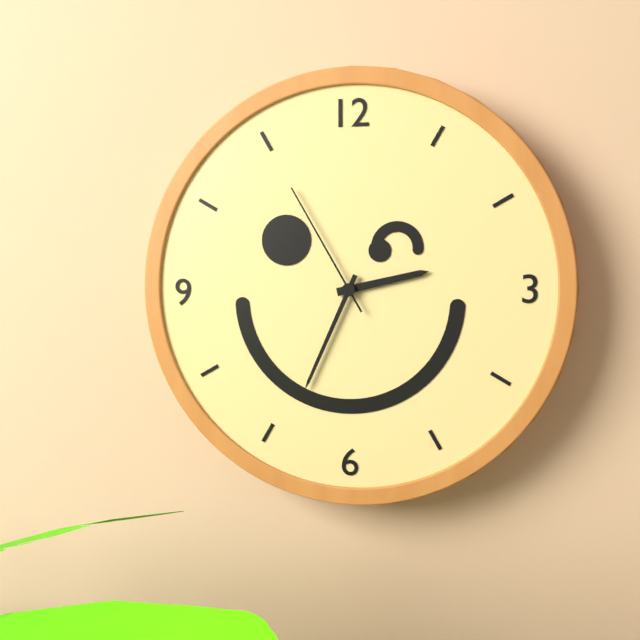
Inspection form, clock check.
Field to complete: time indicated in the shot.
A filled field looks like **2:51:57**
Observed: **2:34:55**
